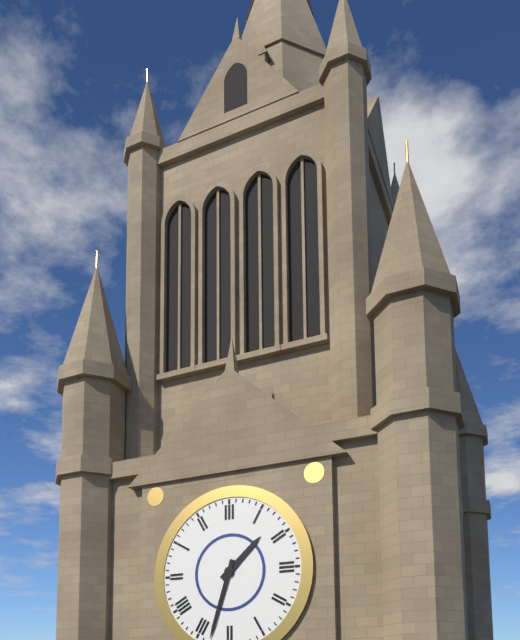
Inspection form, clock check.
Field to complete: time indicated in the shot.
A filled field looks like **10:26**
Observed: **1:33**
